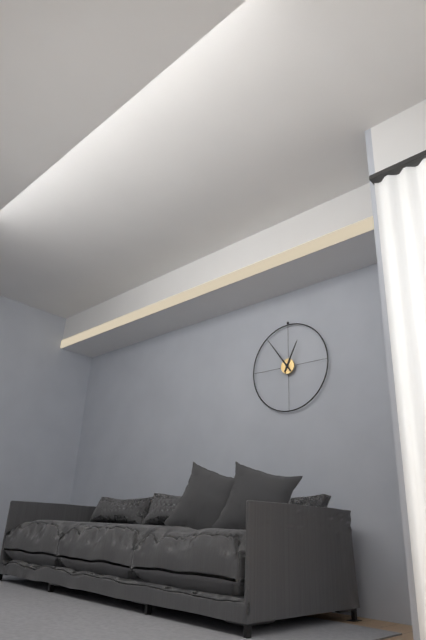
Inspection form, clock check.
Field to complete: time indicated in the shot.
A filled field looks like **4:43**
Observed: **12:54**
